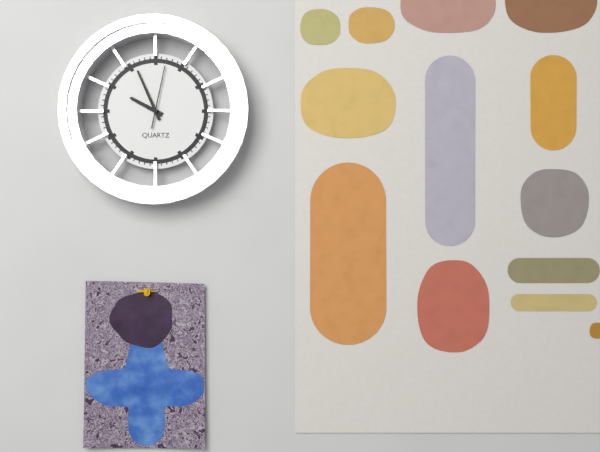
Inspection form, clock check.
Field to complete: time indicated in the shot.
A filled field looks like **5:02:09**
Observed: **9:56:02**
